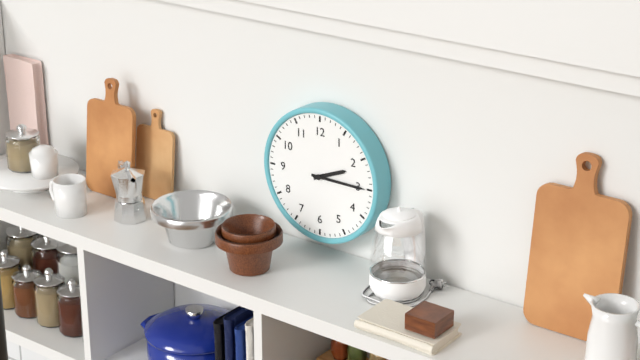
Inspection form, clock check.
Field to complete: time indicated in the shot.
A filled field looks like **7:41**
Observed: **2:15**
